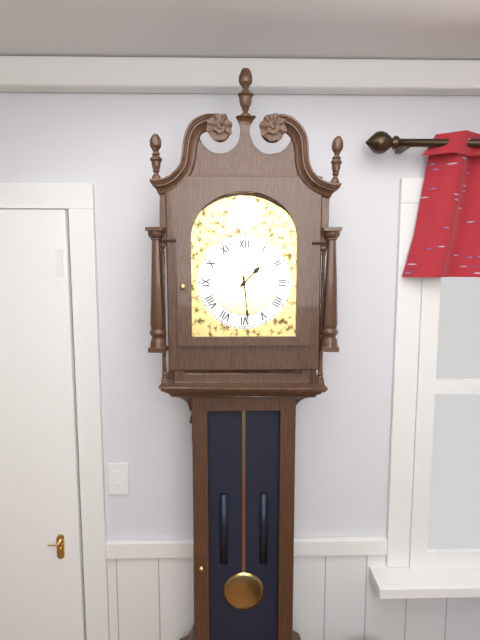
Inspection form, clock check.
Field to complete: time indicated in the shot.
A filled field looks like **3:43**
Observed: **1:29**
